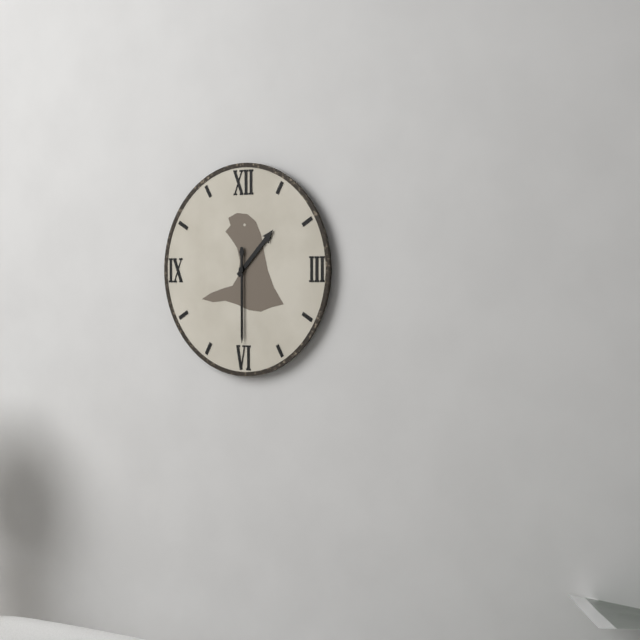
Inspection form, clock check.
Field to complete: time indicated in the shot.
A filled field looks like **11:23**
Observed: **1:30**
